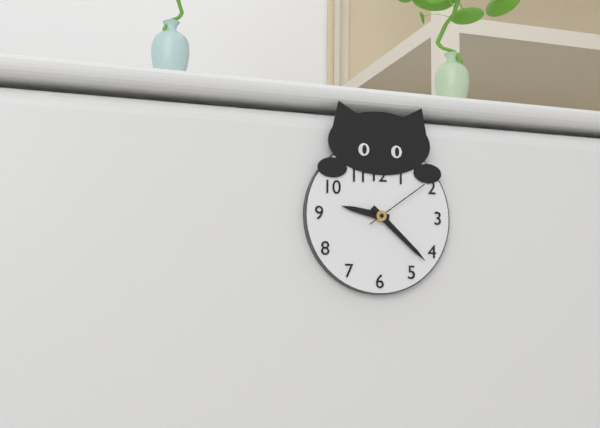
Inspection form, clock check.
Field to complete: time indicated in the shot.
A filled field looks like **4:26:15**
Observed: **9:22:09**
